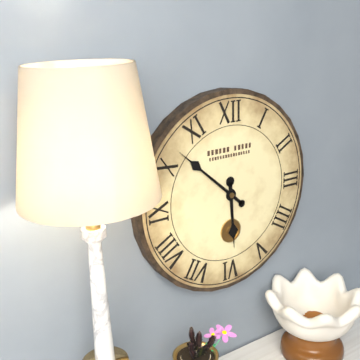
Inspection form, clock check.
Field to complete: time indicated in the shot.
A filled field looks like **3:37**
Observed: **5:52**
